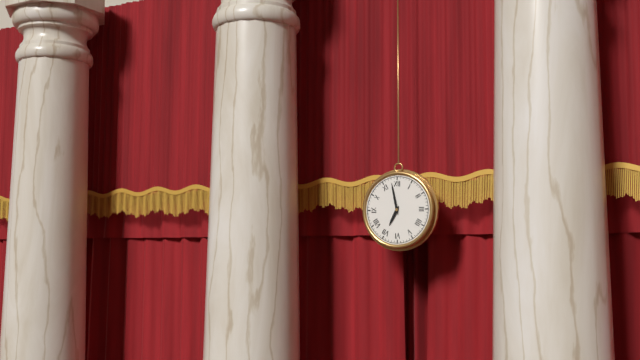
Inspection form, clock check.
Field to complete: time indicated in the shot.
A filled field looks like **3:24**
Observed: **6:58**
